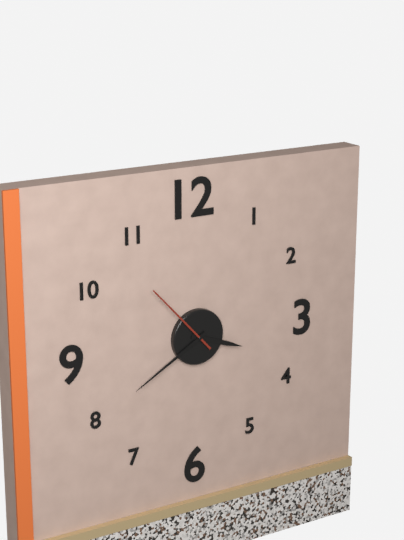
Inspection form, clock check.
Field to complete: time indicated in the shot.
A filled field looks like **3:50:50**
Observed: **3:40:53**
